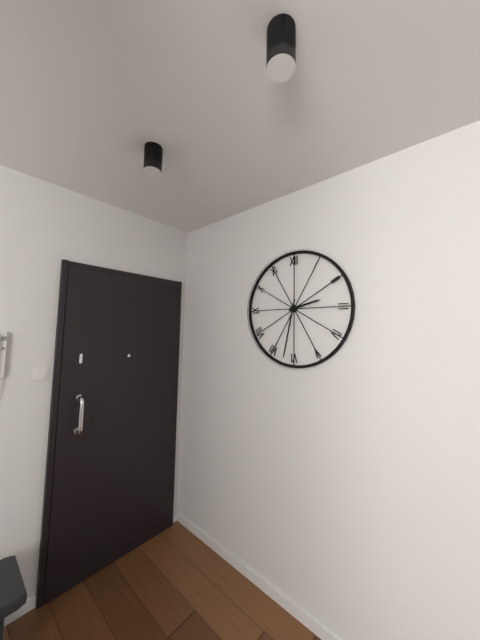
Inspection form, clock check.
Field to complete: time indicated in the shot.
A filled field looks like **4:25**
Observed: **2:32**
